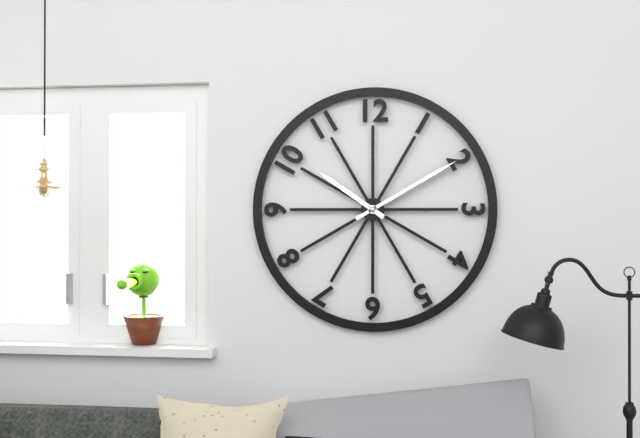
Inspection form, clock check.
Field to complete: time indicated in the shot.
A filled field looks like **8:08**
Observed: **10:10**
